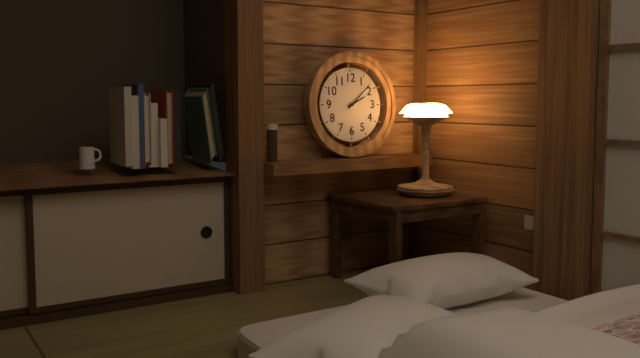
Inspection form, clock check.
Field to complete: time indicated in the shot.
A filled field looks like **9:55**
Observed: **2:08**
